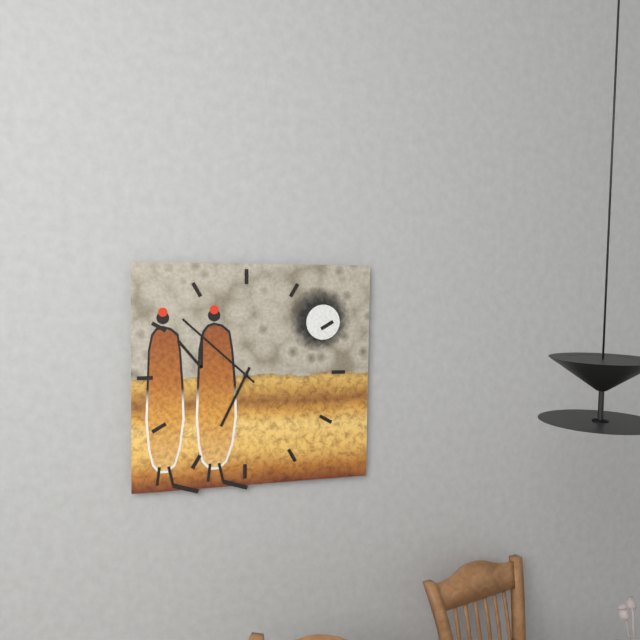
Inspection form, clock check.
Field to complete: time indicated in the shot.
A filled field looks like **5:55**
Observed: **6:52**
